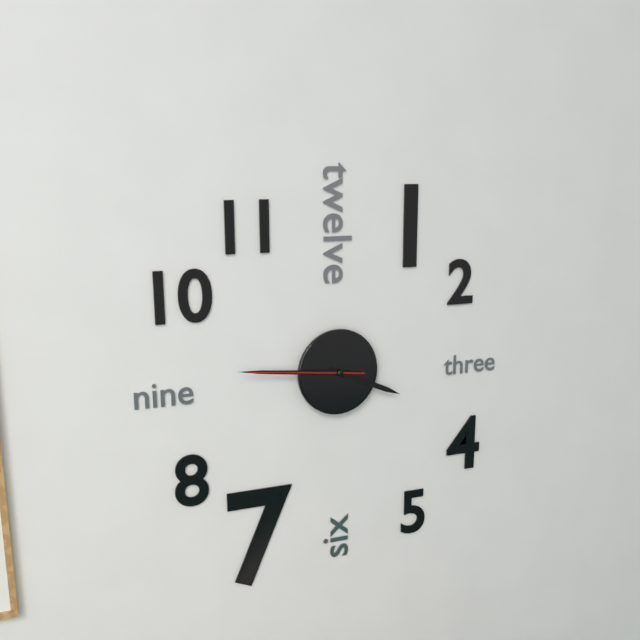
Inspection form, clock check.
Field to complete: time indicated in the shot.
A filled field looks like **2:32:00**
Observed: **3:46:46**
